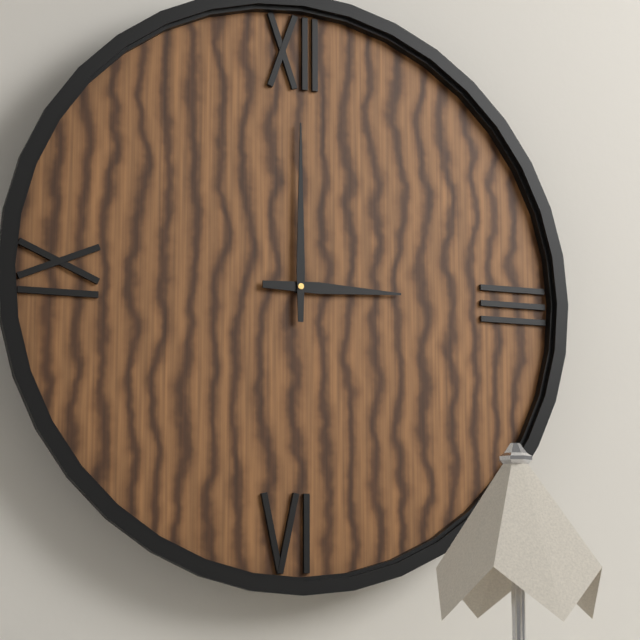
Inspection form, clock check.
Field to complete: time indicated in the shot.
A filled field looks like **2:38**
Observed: **3:00**
